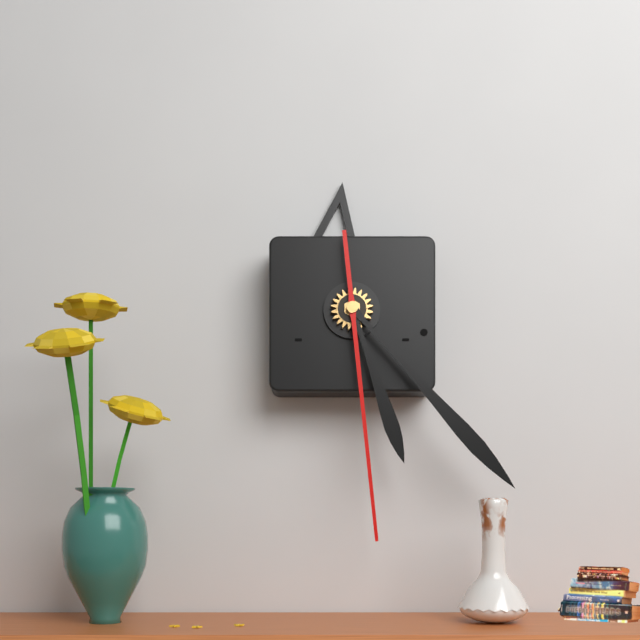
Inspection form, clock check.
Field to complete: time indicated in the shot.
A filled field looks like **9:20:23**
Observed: **5:23:29**
